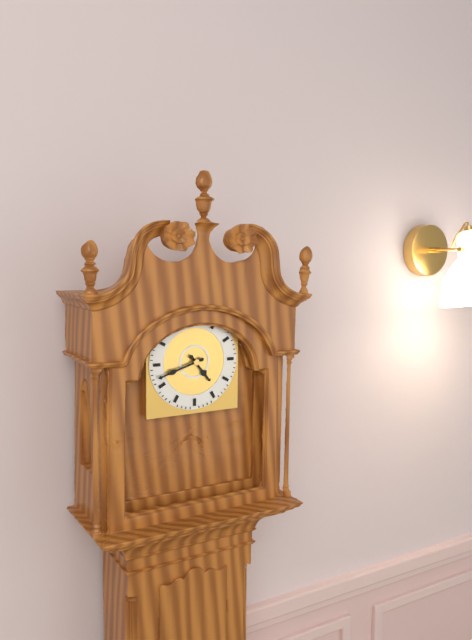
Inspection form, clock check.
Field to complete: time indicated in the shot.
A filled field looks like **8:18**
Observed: **4:42**
